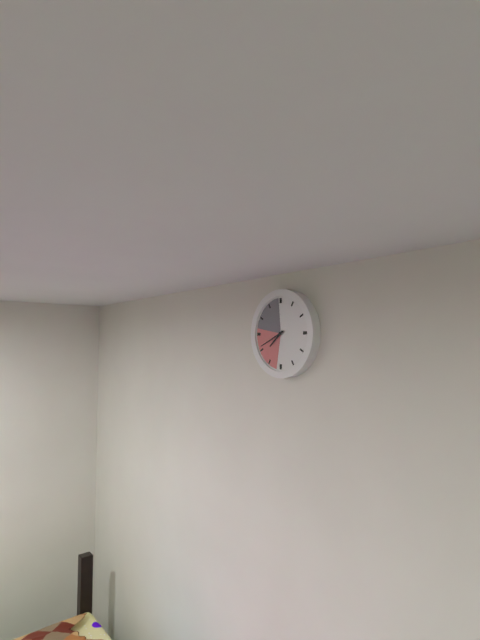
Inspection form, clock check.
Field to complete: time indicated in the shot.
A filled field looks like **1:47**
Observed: **7:41**
